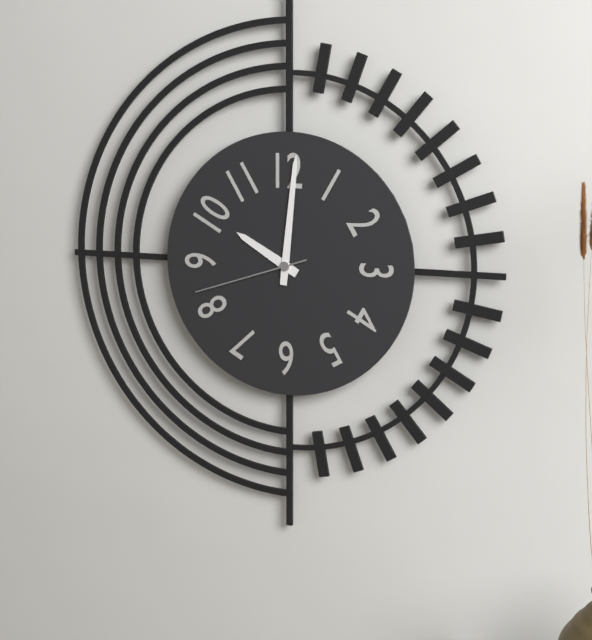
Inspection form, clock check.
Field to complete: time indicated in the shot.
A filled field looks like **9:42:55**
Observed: **10:01:42**
